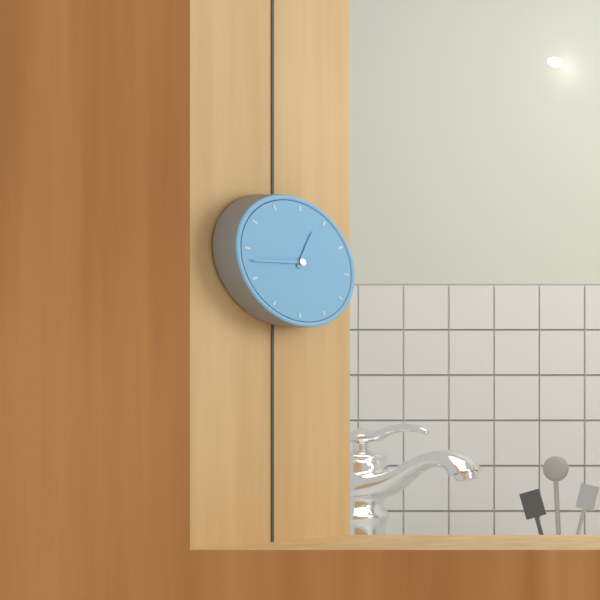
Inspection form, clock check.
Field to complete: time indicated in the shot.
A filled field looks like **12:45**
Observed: **12:43**
